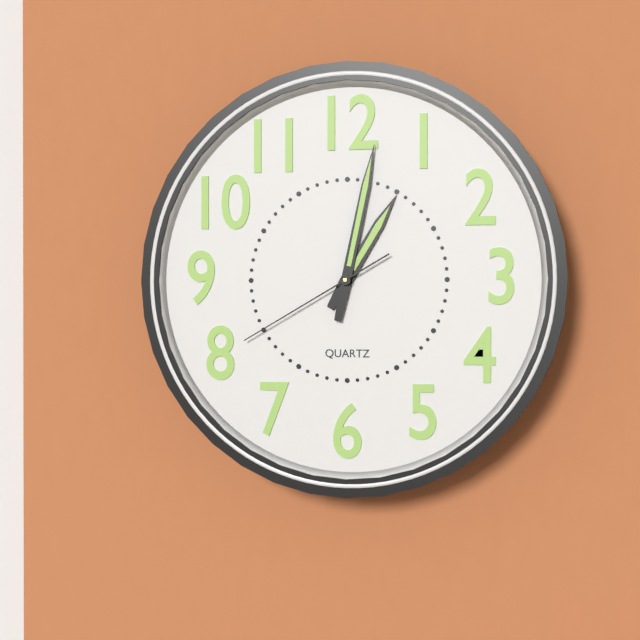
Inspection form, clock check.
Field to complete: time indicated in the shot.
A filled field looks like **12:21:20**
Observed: **1:02:40**
